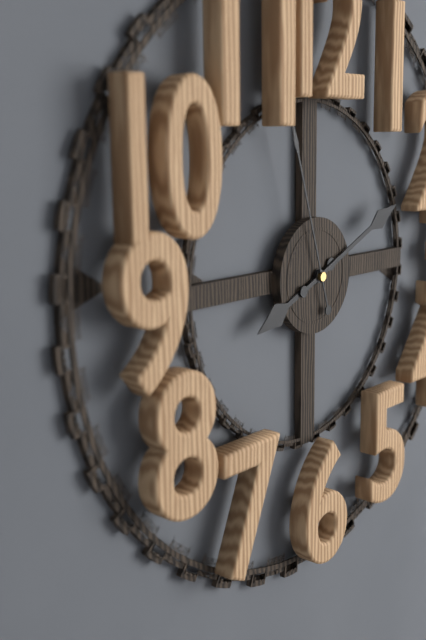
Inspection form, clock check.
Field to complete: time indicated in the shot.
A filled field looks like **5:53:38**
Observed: **8:11:57**
